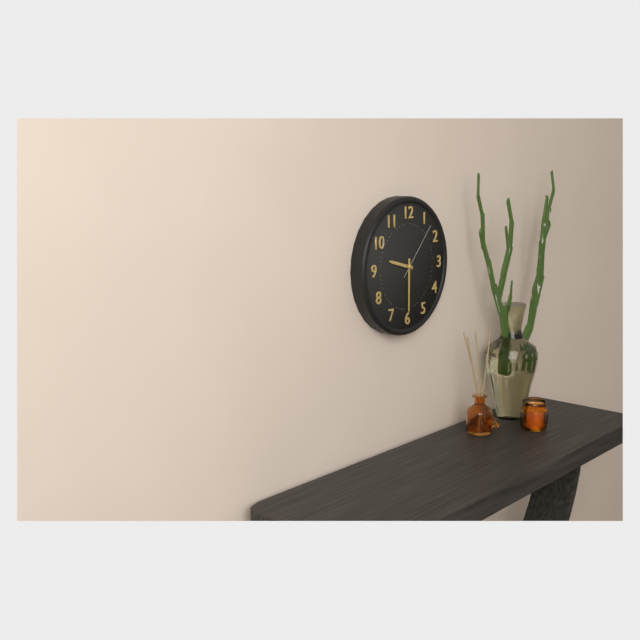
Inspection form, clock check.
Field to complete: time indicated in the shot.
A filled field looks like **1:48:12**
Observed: **9:30:07**
